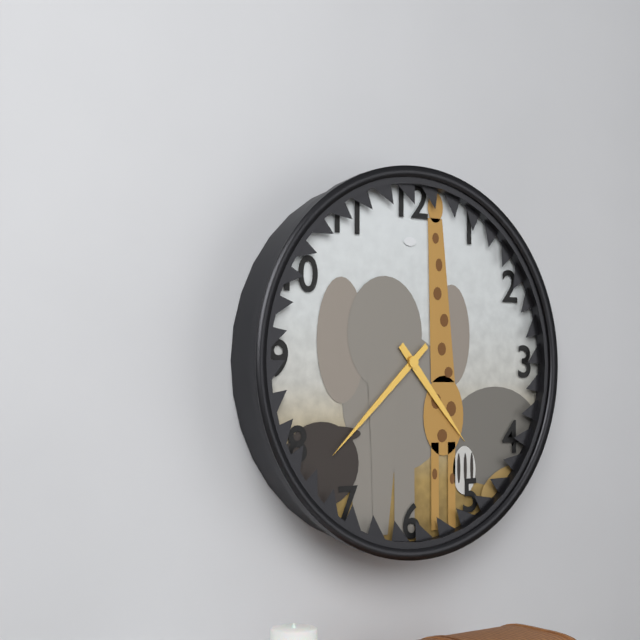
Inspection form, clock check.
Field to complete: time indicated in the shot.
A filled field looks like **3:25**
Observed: **4:38**
